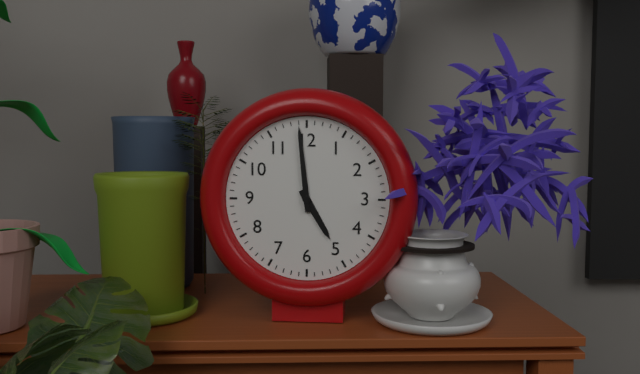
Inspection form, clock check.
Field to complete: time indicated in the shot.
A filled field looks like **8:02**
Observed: **4:59**
